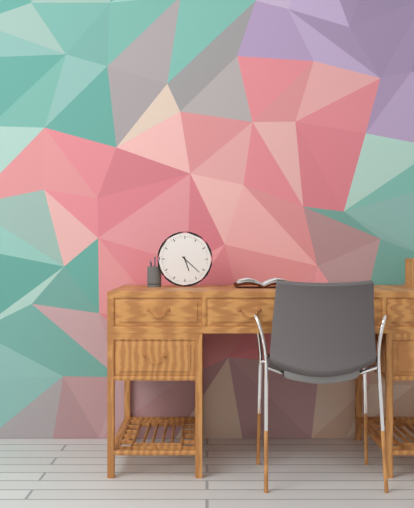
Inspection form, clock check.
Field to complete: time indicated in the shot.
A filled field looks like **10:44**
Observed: **5:22**
